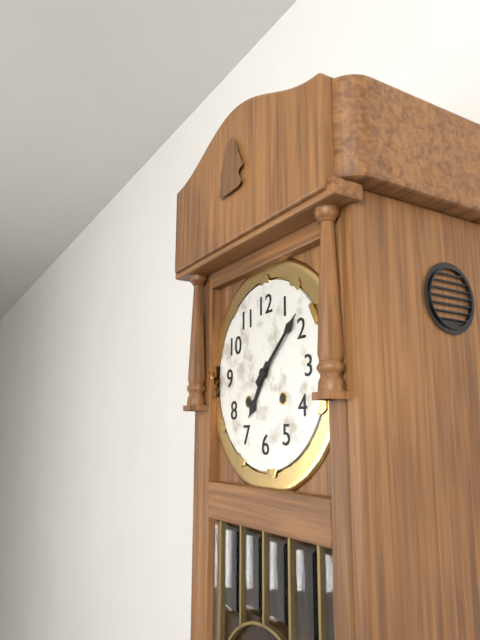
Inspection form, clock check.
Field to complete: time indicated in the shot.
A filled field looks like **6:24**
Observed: **7:08**
